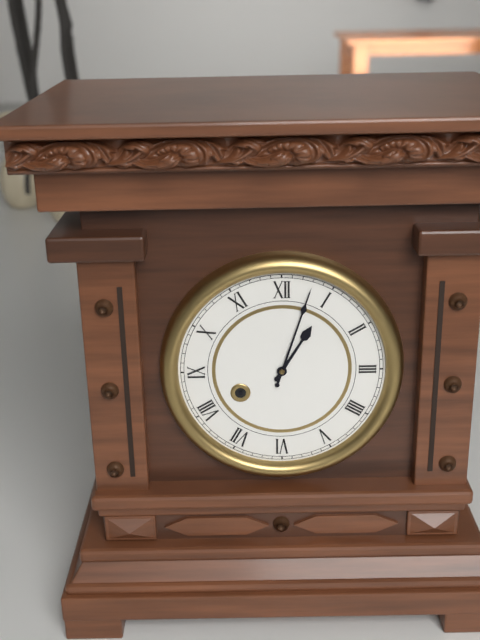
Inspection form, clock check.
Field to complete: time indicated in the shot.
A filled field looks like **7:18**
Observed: **1:03**
